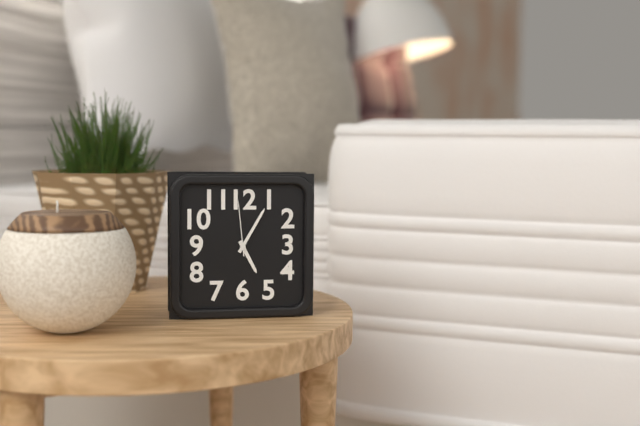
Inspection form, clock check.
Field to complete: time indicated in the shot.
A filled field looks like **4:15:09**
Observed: **5:05:59**
